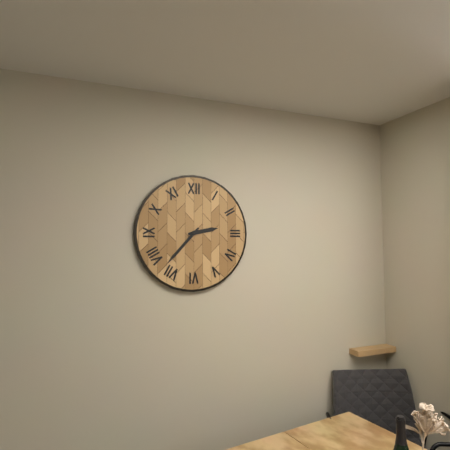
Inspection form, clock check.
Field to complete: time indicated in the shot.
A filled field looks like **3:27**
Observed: **2:37**
